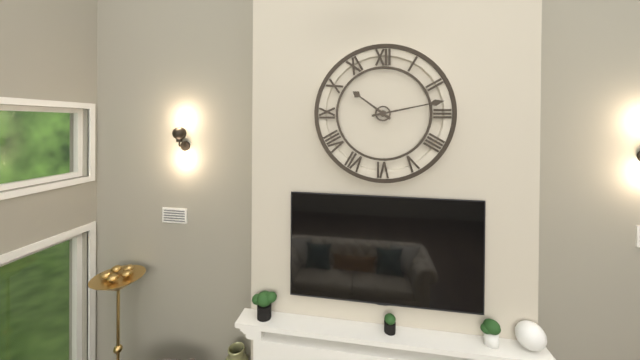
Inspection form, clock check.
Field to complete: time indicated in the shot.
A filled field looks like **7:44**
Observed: **10:13**
